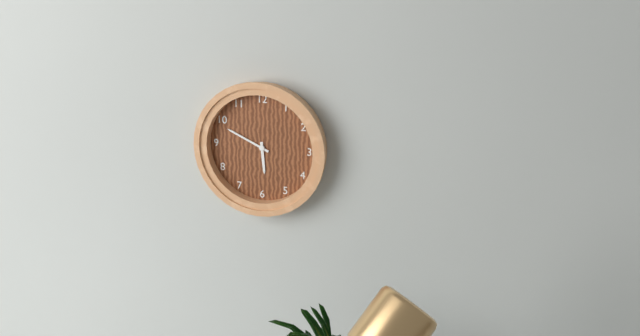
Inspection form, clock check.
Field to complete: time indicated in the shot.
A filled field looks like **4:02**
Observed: **5:49**
